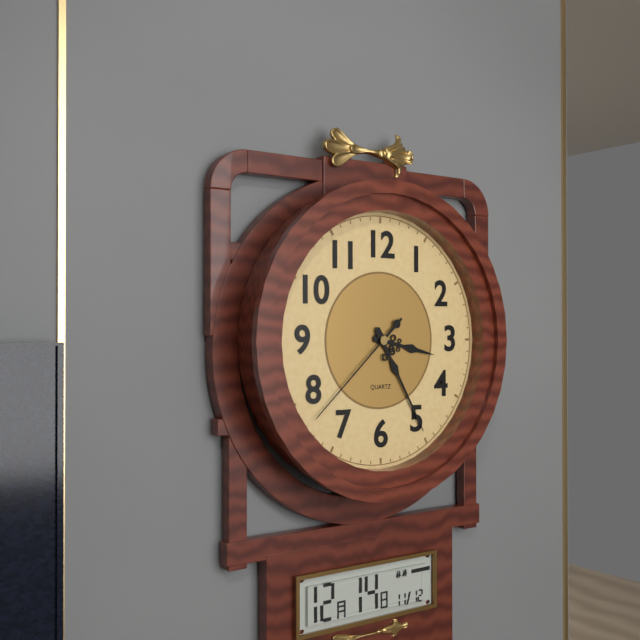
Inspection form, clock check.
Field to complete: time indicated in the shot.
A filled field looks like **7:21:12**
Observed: **3:25:38**
